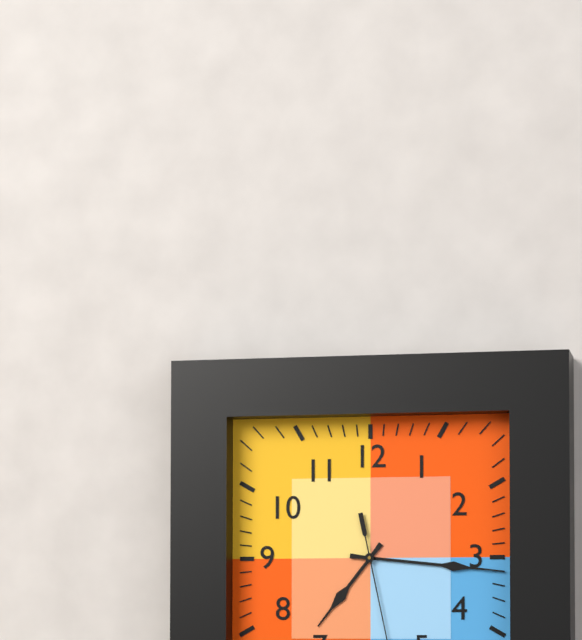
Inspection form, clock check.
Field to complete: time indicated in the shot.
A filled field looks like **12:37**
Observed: **7:16**
